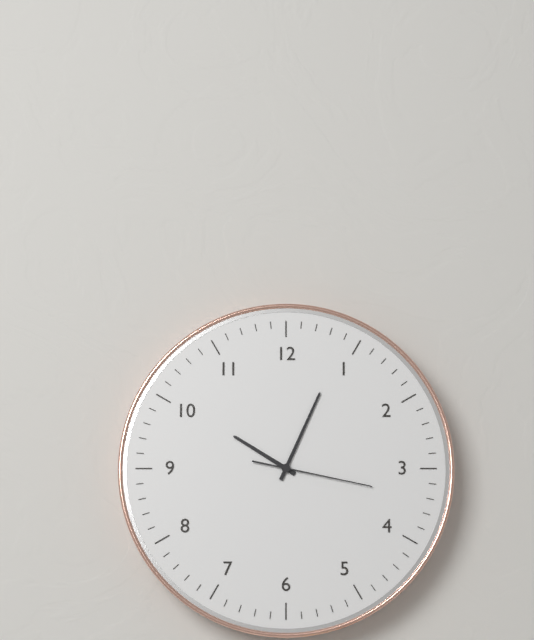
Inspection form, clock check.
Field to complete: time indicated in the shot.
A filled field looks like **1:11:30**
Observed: **10:04:17**
